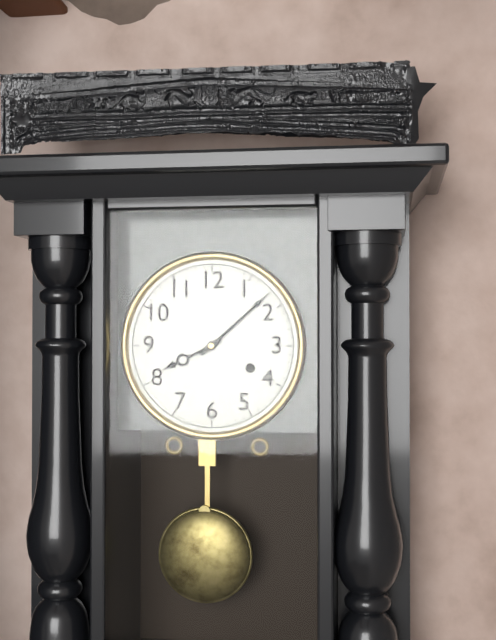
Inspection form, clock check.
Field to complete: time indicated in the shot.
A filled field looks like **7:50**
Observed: **8:08**
